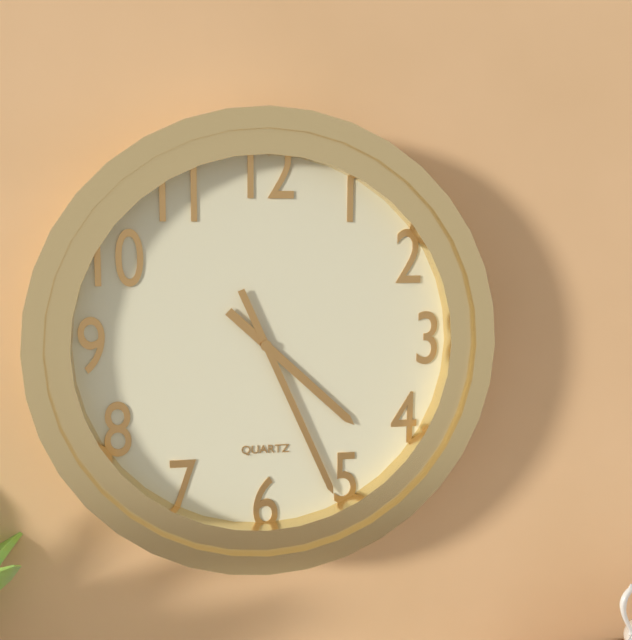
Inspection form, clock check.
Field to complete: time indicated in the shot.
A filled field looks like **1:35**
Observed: **4:26**
